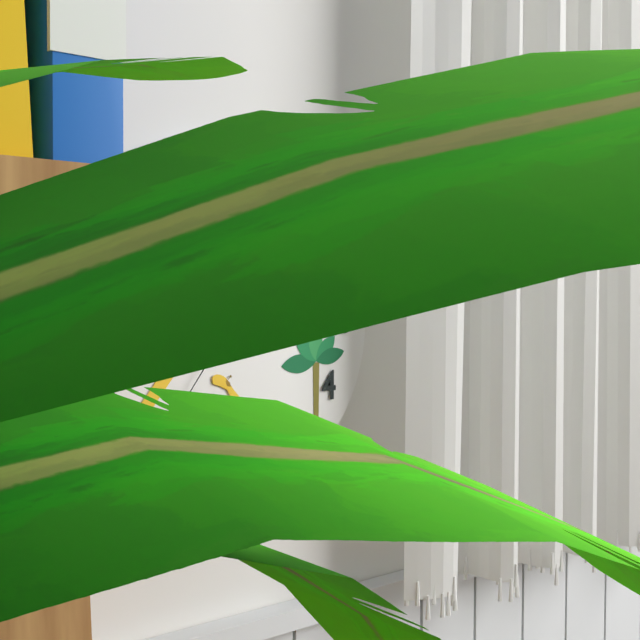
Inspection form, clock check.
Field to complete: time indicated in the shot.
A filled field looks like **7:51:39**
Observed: **10:08:36**
